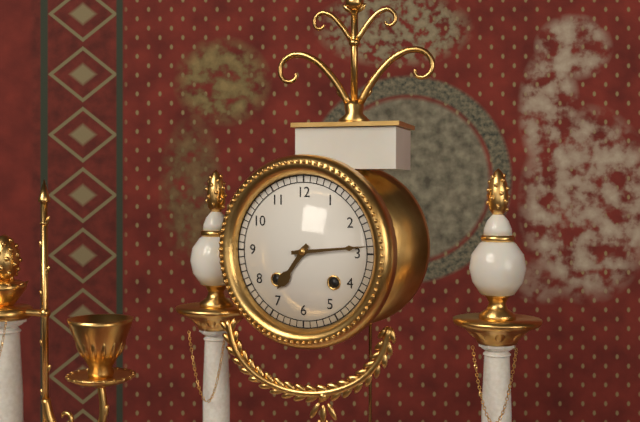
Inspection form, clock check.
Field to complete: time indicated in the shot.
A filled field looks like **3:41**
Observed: **7:14**
